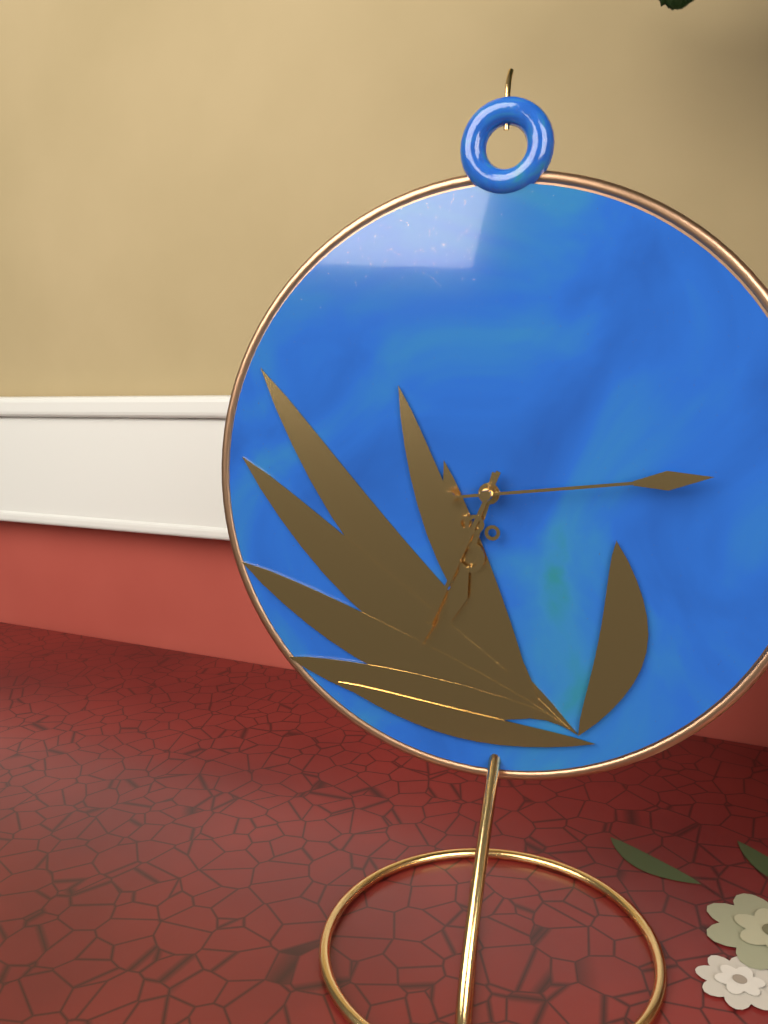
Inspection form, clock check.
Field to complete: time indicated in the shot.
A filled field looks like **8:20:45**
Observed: **6:34:14**
